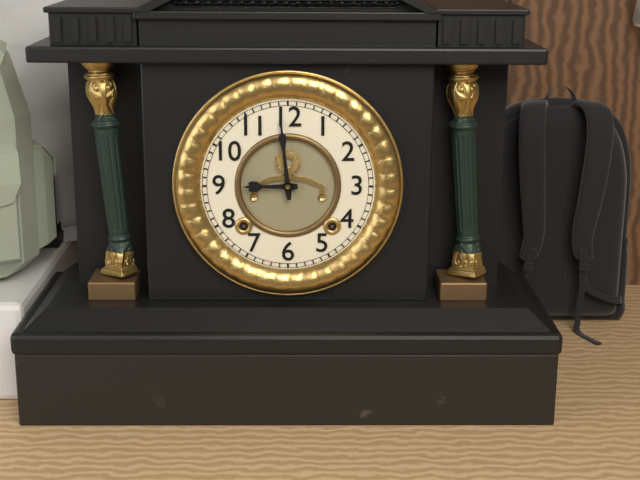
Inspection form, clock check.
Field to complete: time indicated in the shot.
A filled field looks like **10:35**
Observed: **8:59**
